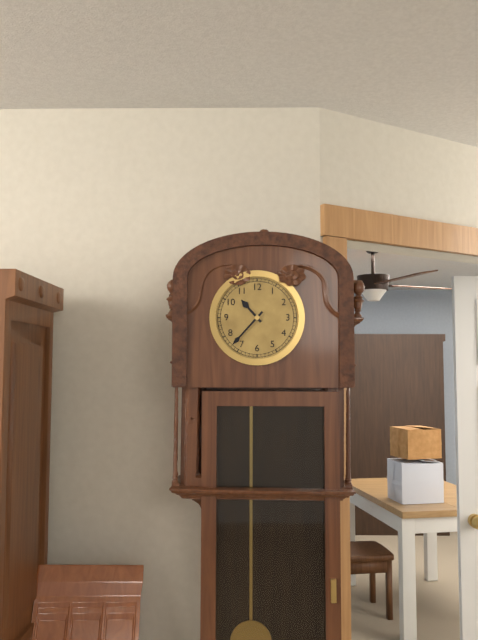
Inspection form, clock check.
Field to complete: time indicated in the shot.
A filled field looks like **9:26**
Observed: **10:37**
